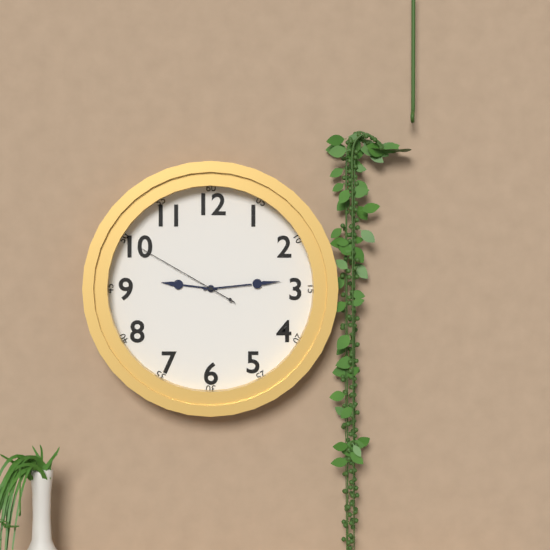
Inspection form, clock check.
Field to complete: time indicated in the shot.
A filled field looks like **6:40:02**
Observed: **9:14:50**
